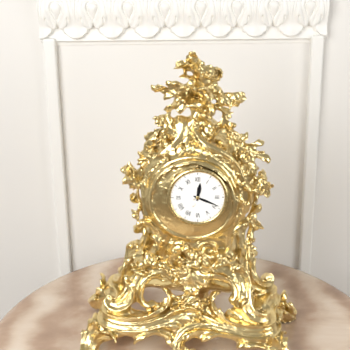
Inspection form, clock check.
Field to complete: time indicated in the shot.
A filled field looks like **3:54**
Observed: **12:19**
